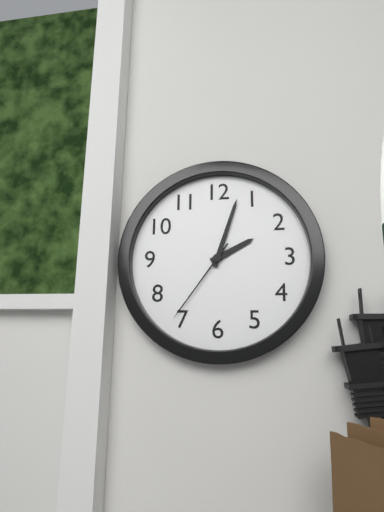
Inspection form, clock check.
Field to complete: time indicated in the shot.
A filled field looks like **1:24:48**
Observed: **2:03:36**
